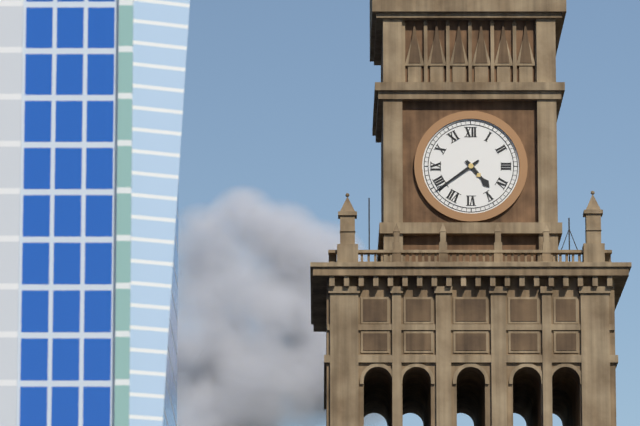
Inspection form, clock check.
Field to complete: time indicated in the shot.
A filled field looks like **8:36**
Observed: **4:39**
